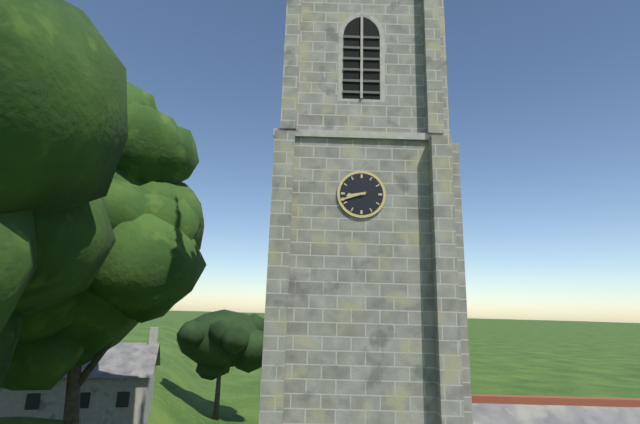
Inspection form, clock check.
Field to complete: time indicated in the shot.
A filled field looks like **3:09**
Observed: **8:42**
